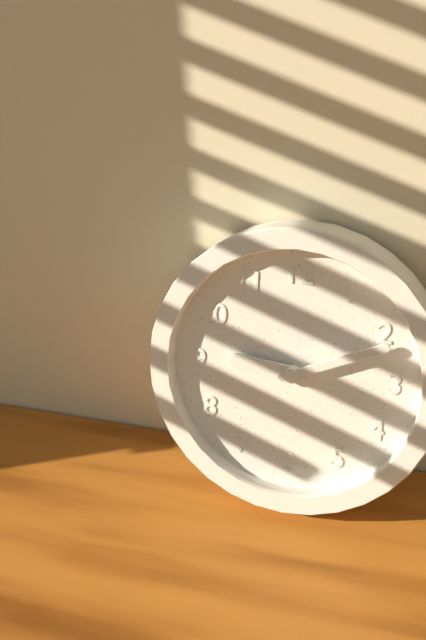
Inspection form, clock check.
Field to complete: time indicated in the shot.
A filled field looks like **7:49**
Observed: **9:11**
